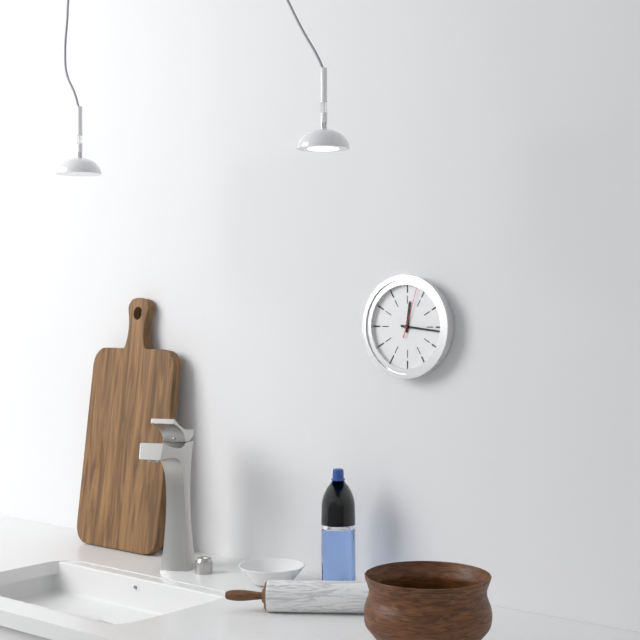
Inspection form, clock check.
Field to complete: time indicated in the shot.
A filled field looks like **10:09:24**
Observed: **12:16:03**
